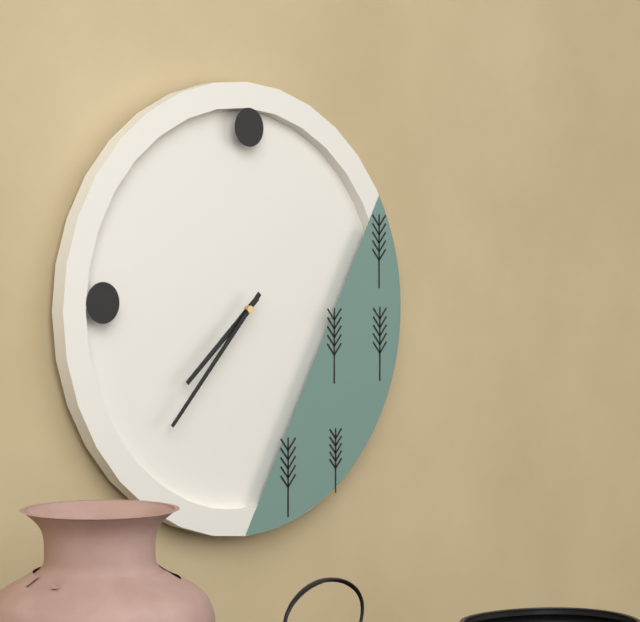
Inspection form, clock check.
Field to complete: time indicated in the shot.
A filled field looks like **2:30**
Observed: **7:37**
